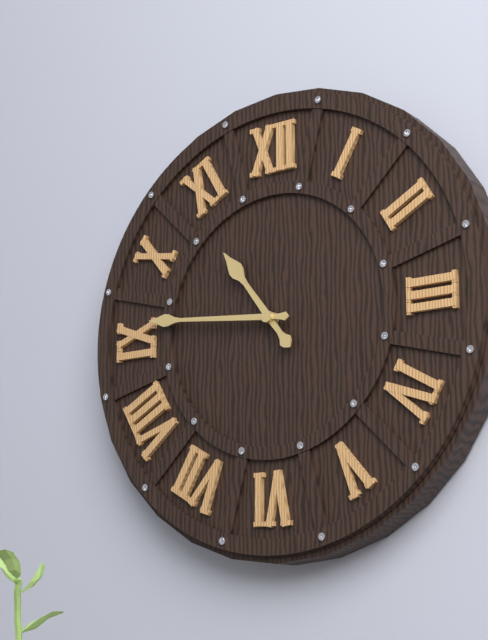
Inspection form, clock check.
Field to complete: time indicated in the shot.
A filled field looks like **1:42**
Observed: **10:46**
